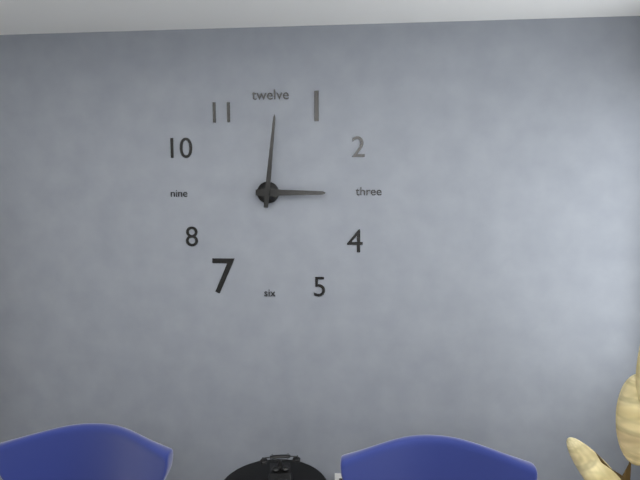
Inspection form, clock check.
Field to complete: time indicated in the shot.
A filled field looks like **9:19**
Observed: **3:01**
